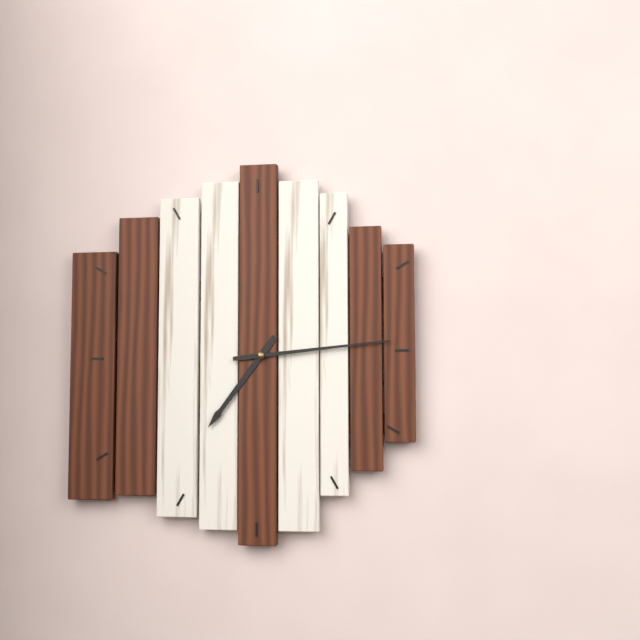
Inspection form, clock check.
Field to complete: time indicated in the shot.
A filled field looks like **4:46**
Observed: **7:14**
